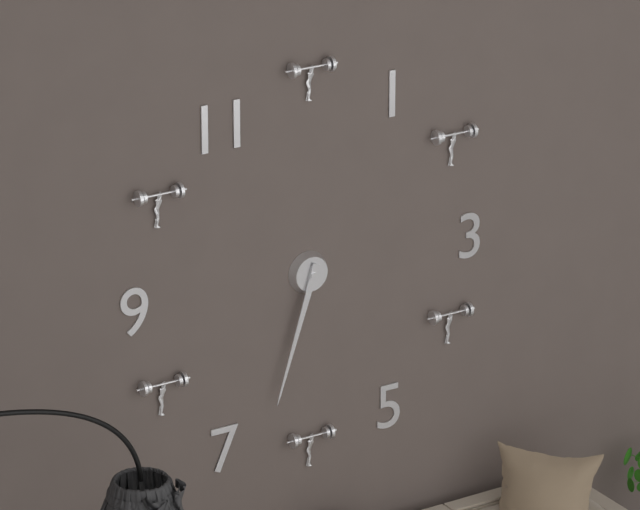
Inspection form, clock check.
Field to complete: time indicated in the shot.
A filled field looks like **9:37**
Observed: **6:33**
